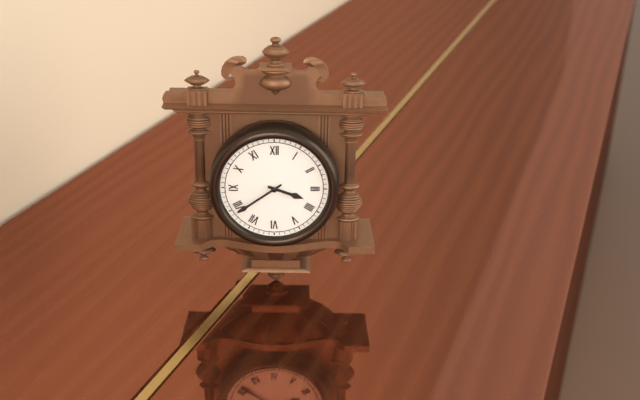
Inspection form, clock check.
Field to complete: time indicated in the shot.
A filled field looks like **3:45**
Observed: **3:39**
